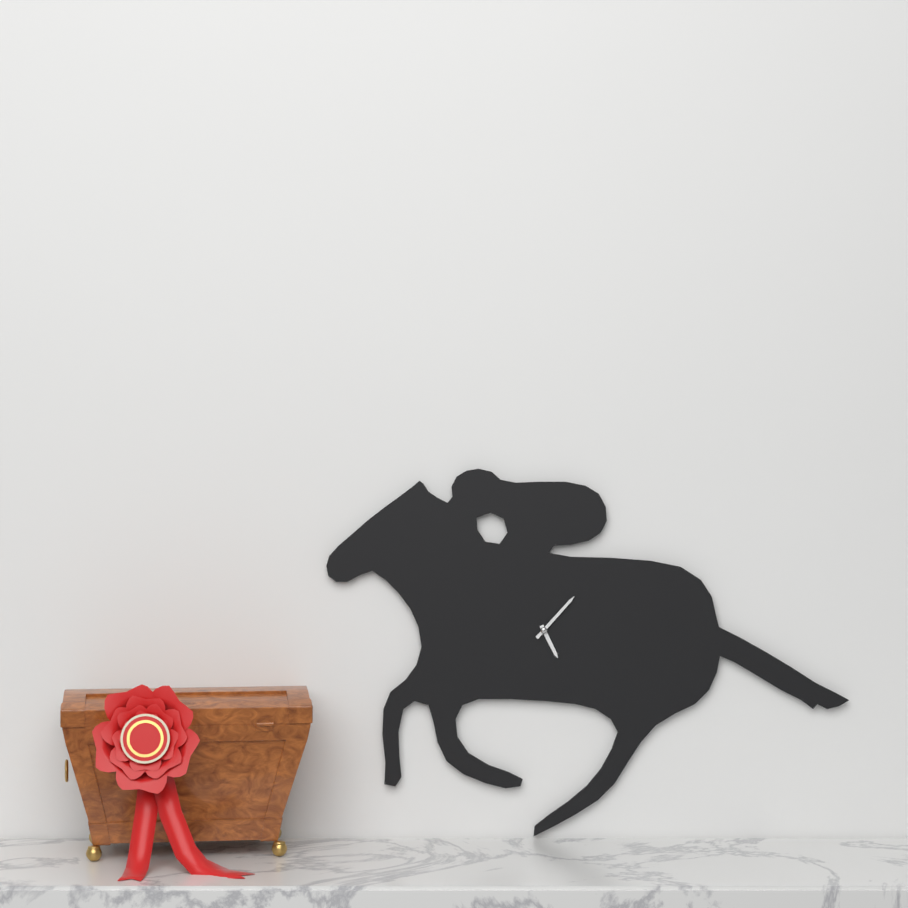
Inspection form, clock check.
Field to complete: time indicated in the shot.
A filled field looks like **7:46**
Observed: **5:07**
